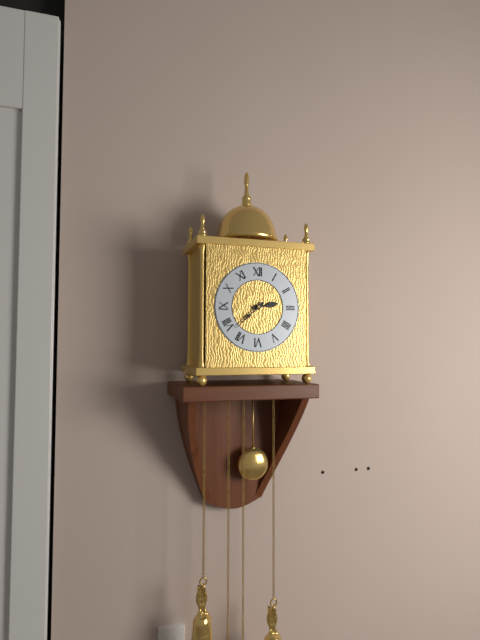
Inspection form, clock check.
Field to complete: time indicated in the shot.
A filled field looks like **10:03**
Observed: **2:38**
